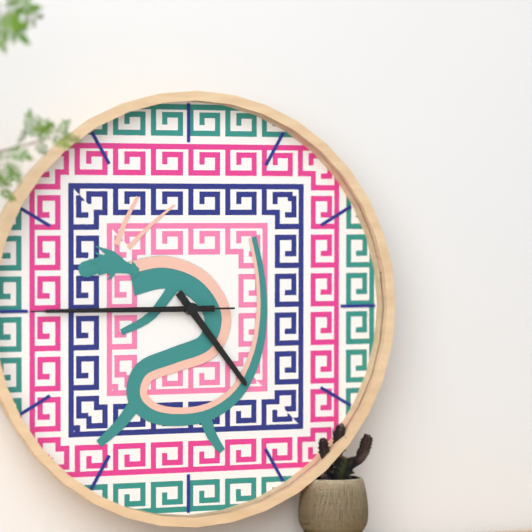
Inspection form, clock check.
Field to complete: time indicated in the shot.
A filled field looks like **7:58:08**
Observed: **4:45:45**
